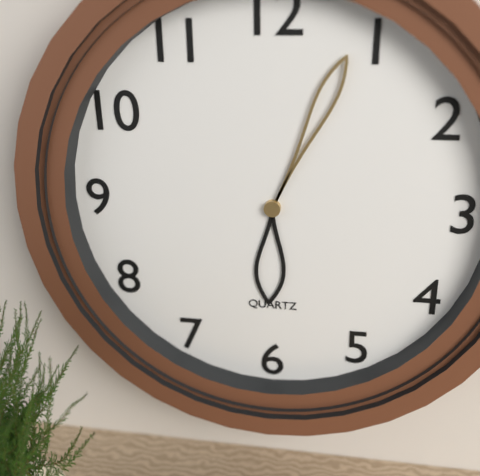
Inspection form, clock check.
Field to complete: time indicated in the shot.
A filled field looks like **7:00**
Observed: **6:04**
